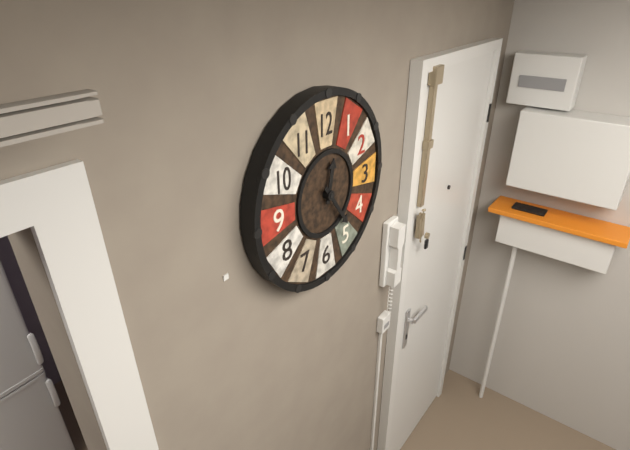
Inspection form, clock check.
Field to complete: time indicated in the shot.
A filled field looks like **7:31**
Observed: **12:24**
